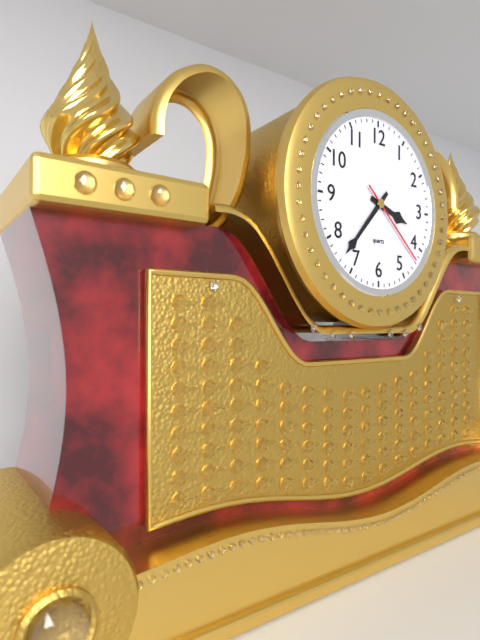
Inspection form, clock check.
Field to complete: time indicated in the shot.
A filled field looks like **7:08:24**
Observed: **3:37:22**
